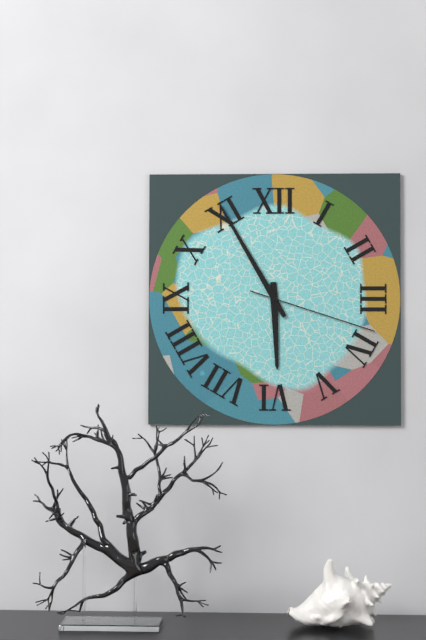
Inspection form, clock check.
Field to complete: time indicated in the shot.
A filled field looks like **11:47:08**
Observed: **5:55:18**
